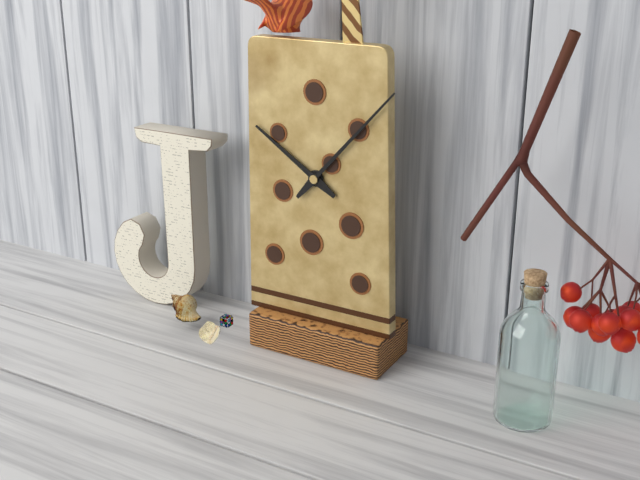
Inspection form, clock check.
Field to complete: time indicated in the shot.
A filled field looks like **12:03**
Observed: **10:07**
